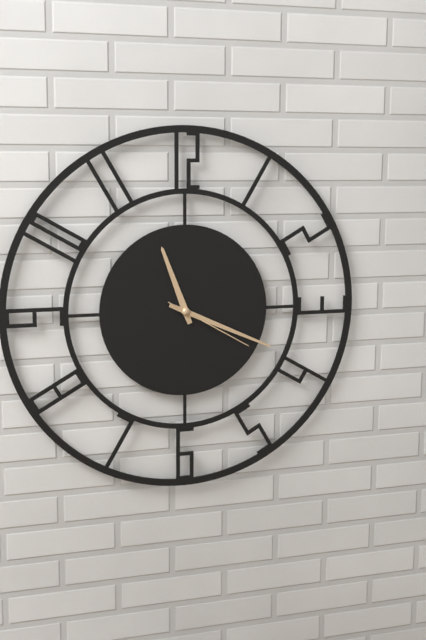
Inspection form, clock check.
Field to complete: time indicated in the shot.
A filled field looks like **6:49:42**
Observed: **11:19:20**
